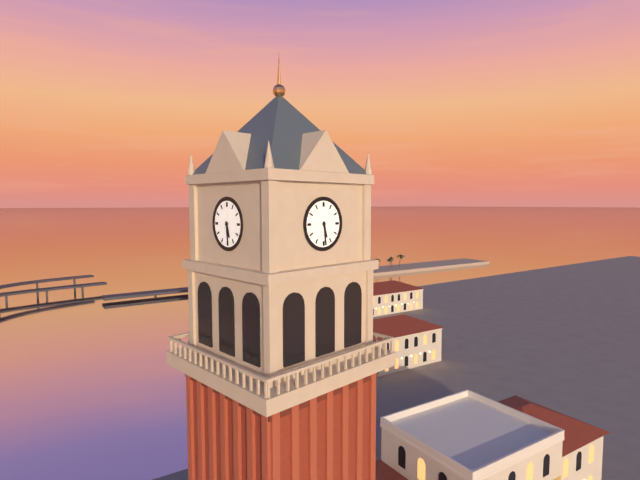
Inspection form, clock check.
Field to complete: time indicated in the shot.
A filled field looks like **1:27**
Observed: **5:29**
